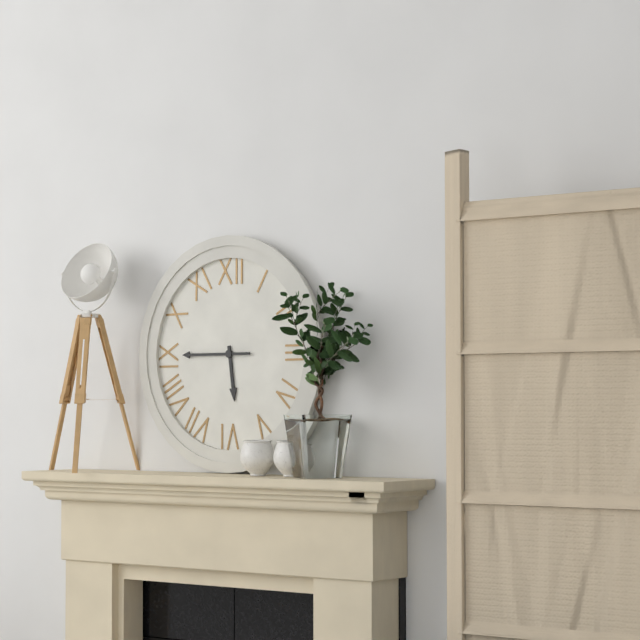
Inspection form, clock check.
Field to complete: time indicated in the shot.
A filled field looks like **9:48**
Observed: **5:45**
